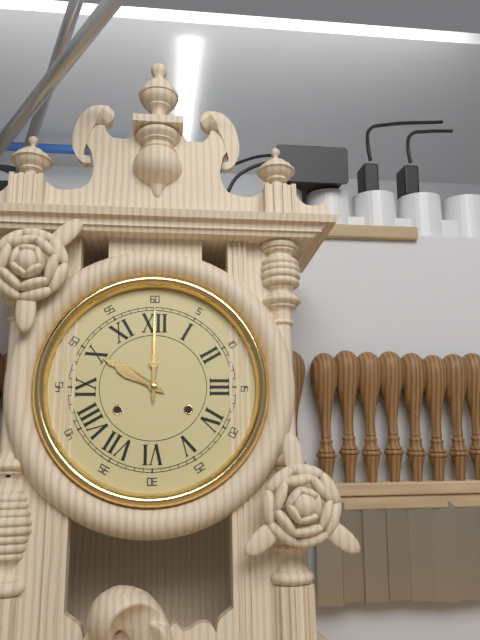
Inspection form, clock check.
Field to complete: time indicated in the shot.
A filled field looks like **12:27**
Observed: **10:00**
